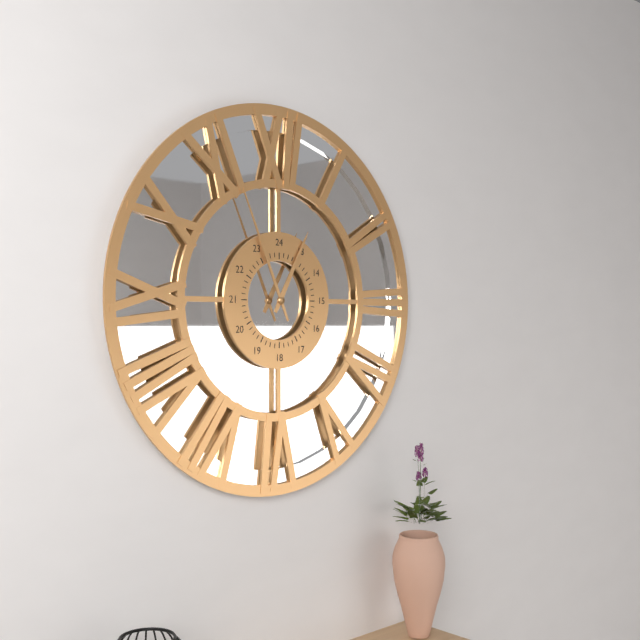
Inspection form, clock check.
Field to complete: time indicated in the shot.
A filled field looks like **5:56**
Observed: **12:56**
